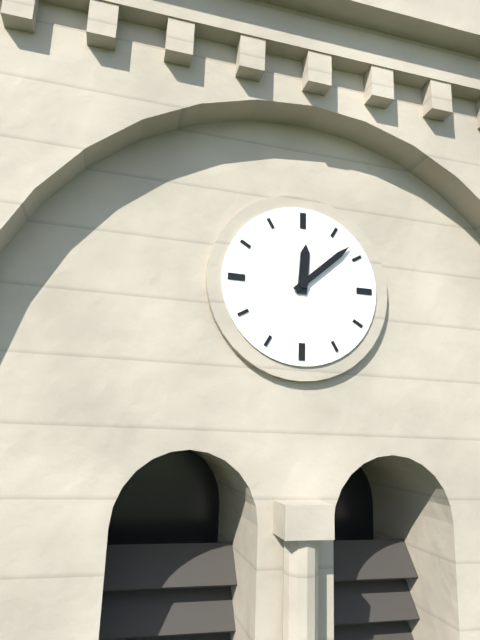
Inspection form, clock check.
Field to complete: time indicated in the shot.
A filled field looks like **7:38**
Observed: **12:08**
